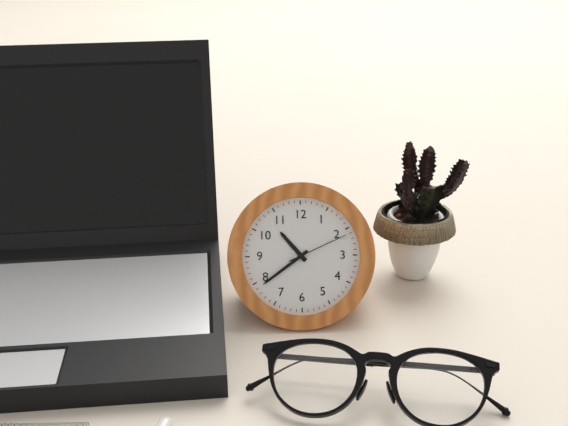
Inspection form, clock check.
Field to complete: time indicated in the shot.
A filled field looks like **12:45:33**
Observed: **10:39:11**
